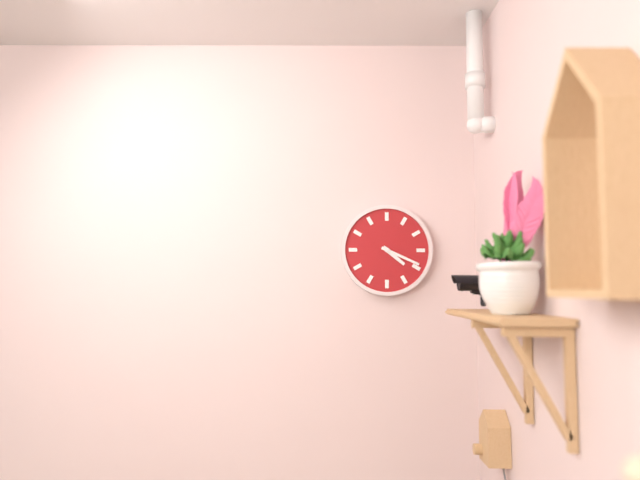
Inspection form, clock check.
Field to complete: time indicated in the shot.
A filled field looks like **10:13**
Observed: **4:19**
